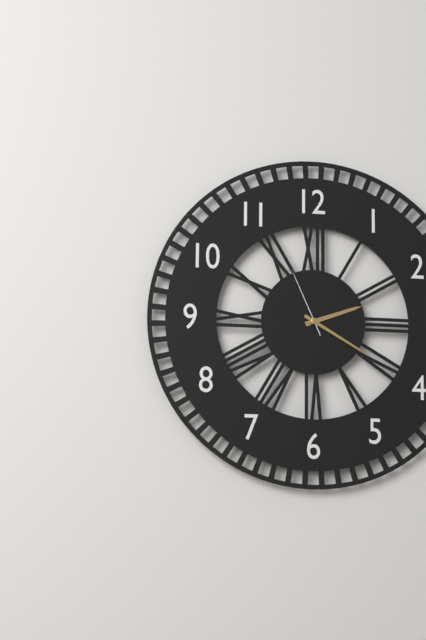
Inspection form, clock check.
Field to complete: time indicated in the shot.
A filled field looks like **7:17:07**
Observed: **2:20:56**
